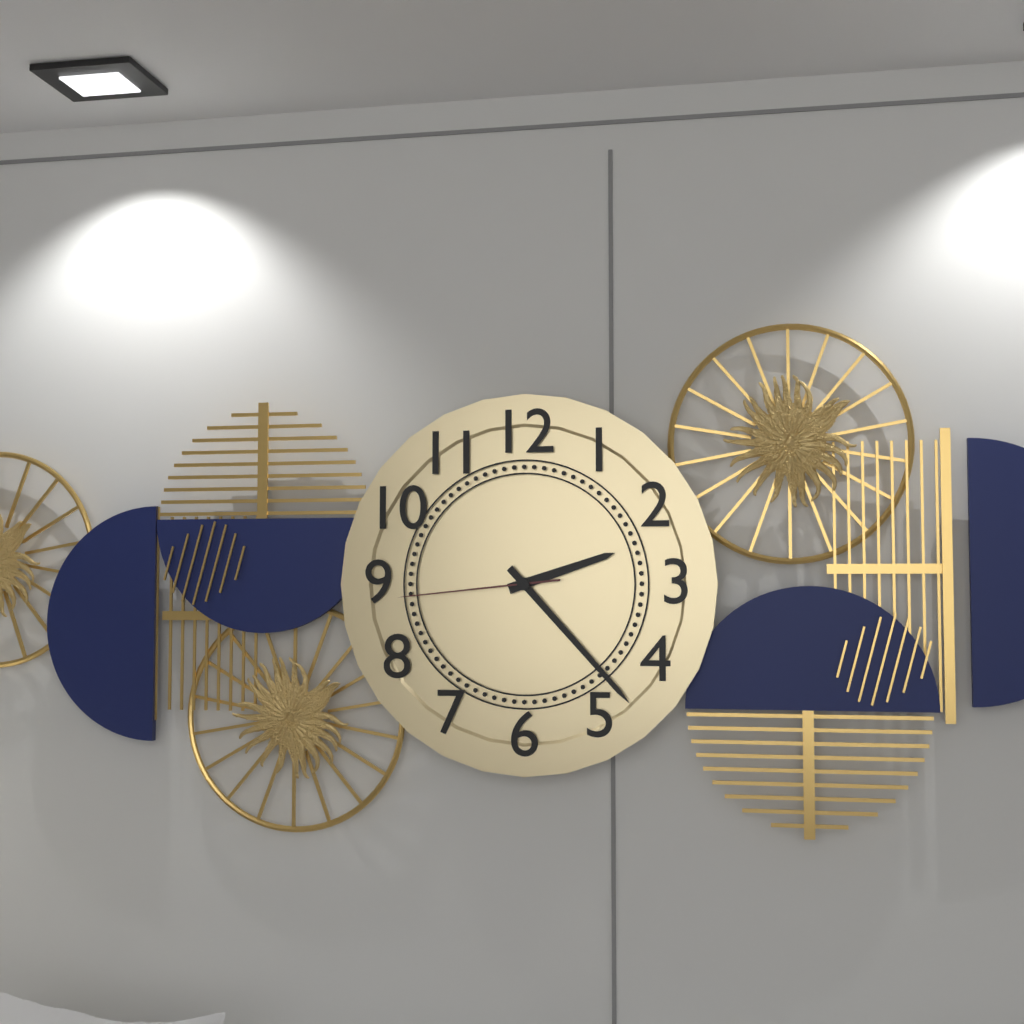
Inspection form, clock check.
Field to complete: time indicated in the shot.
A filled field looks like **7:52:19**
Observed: **2:23:44**
